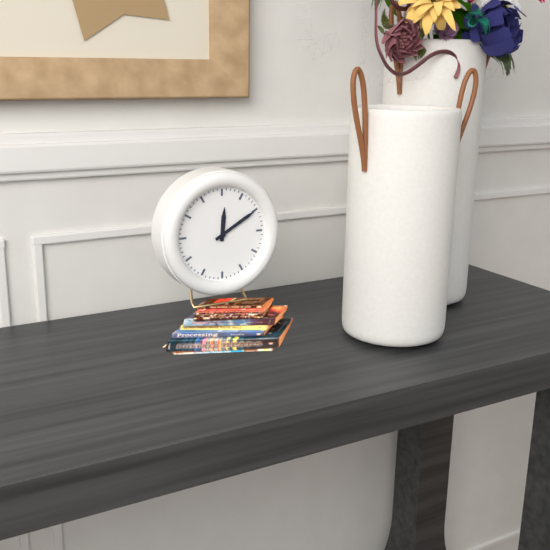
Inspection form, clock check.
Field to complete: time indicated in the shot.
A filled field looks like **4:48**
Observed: **12:10**
